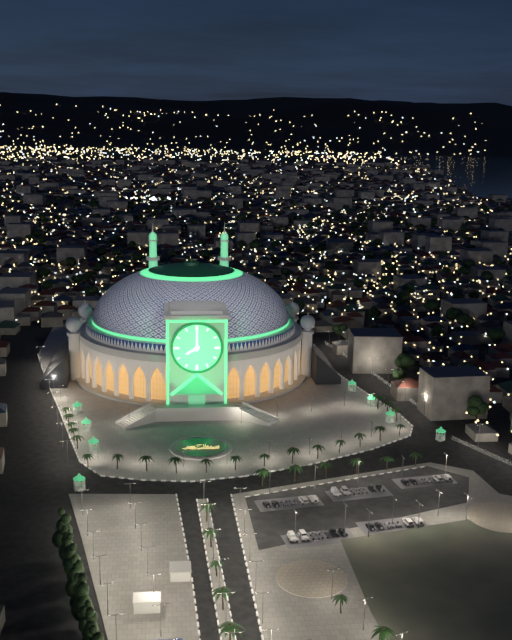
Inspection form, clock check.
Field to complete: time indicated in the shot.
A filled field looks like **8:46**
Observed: **8:00**
